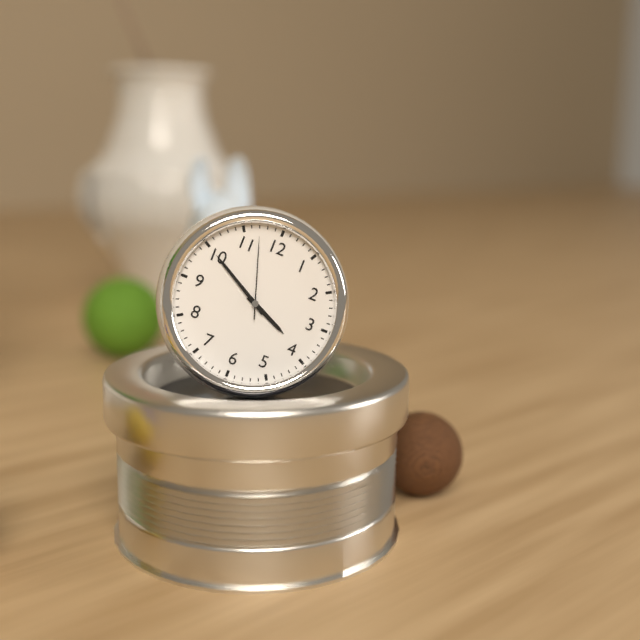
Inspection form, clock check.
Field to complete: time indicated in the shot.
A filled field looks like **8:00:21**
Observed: **3:50:57**
